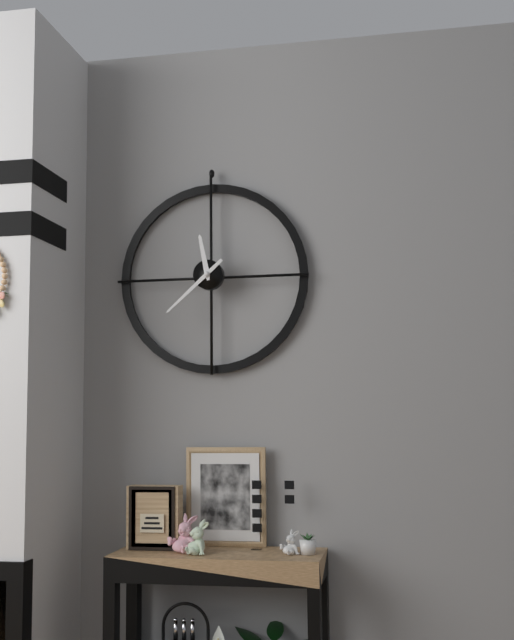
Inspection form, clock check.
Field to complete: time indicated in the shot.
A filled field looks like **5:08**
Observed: **11:38**
